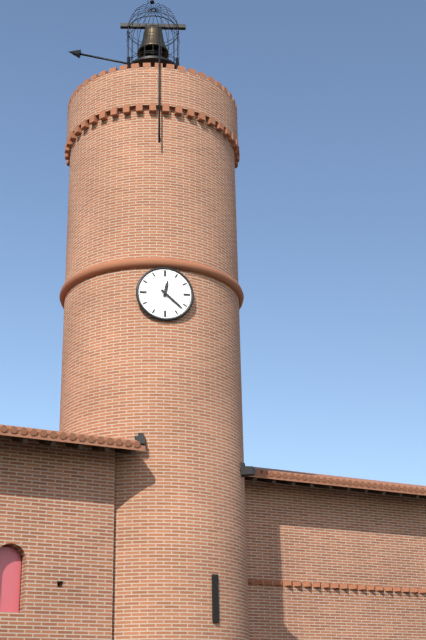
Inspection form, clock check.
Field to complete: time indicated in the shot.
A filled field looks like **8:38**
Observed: **12:22**
